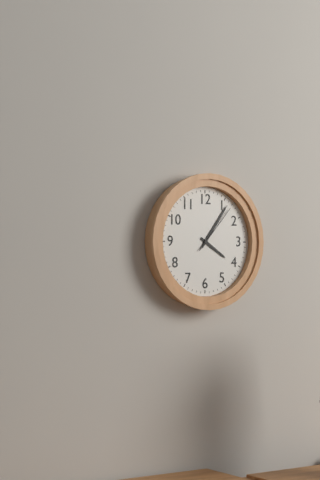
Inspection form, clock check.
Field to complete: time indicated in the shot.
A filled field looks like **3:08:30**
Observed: **4:06:07**
